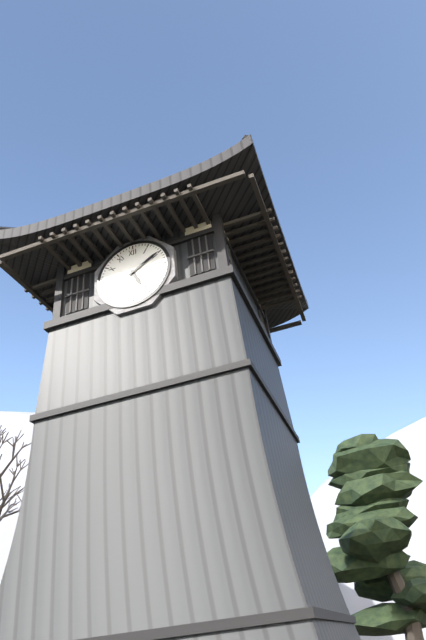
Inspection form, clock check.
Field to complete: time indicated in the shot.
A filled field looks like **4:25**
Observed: **5:10**
